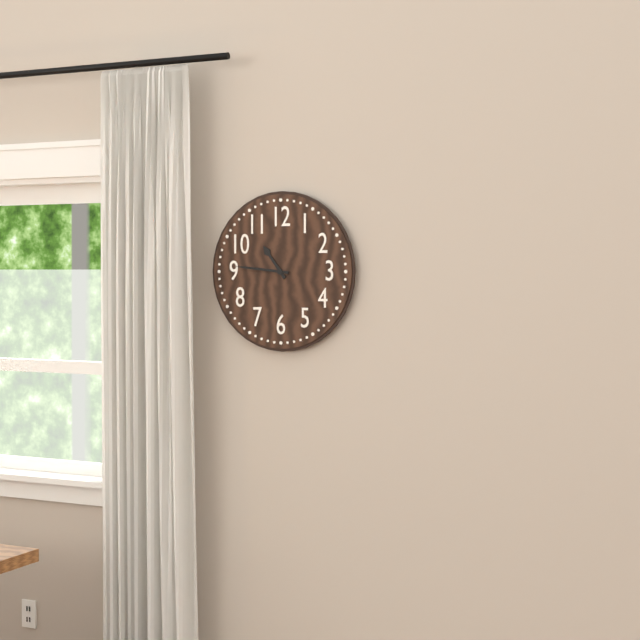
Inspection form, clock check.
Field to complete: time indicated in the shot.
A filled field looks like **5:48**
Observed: **10:46**
